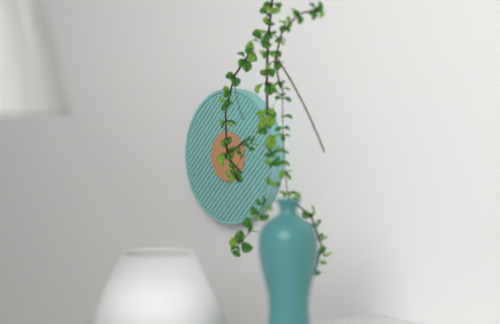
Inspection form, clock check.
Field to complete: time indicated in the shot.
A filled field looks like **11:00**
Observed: **4:10**
